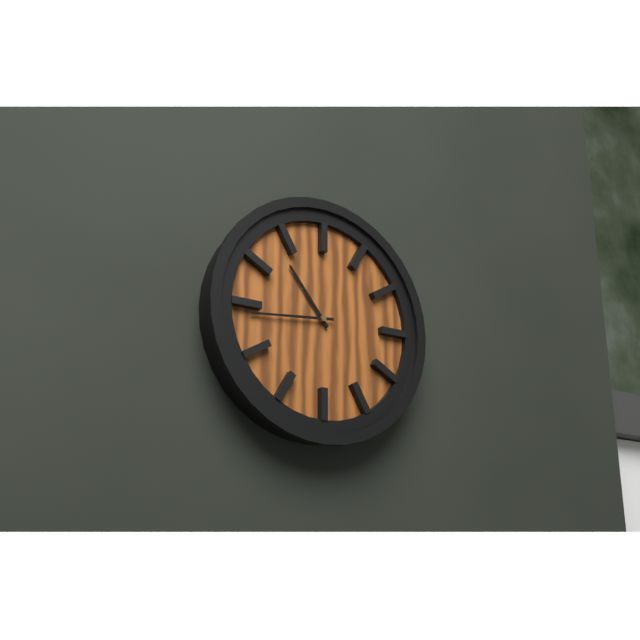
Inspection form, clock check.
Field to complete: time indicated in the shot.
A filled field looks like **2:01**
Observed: **10:44**
